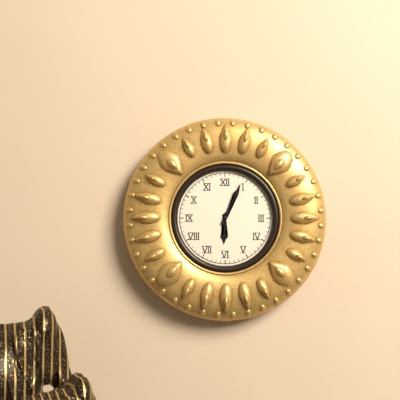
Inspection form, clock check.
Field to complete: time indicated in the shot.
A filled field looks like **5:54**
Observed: **6:04**
